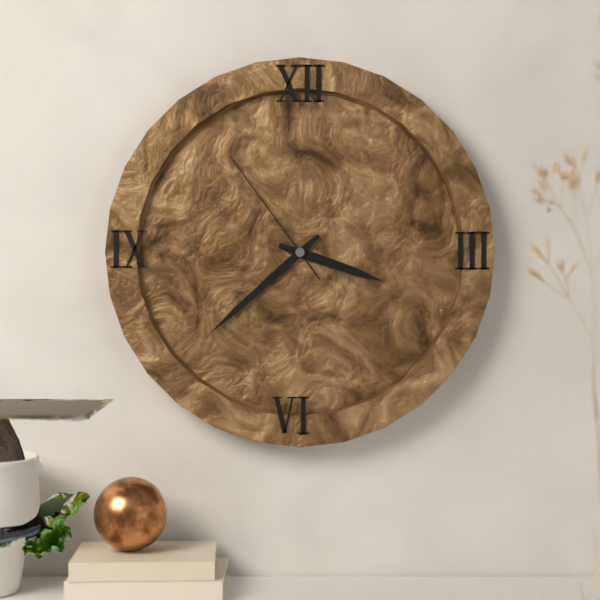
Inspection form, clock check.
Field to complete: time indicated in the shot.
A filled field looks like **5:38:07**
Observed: **3:38:54**
